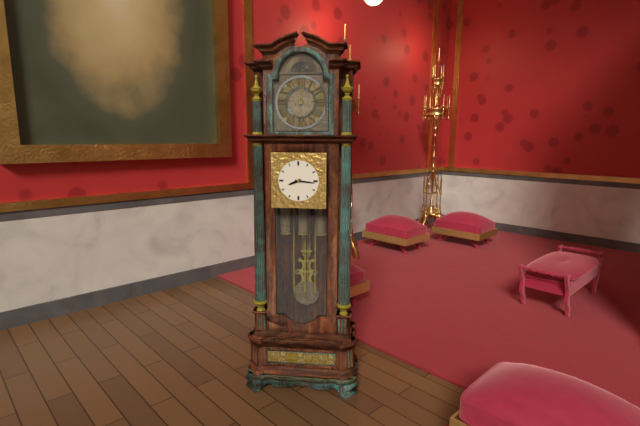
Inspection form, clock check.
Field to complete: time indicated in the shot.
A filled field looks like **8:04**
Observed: **8:16**
